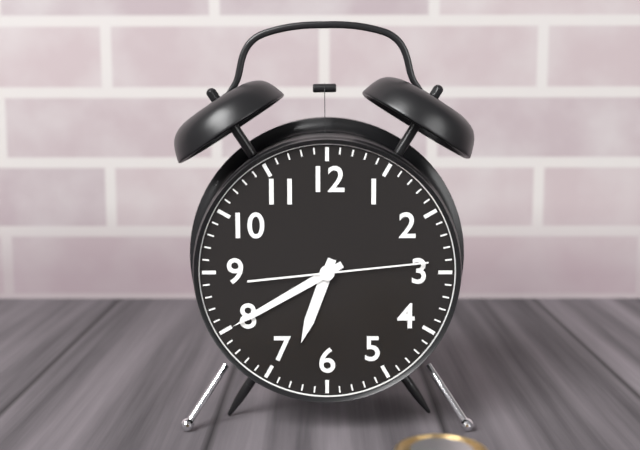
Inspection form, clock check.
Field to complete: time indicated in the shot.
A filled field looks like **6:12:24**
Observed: **6:40:14**
